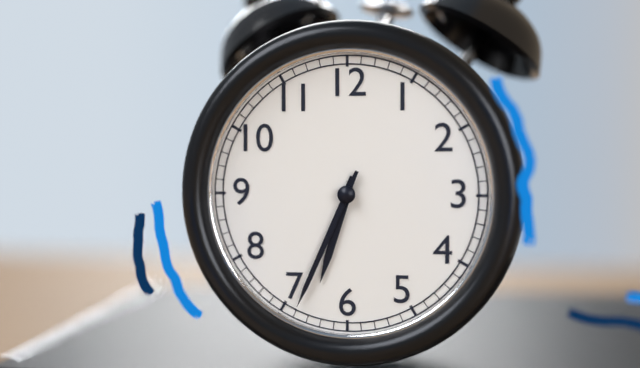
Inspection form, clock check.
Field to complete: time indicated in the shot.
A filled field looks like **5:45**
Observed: **6:34**
